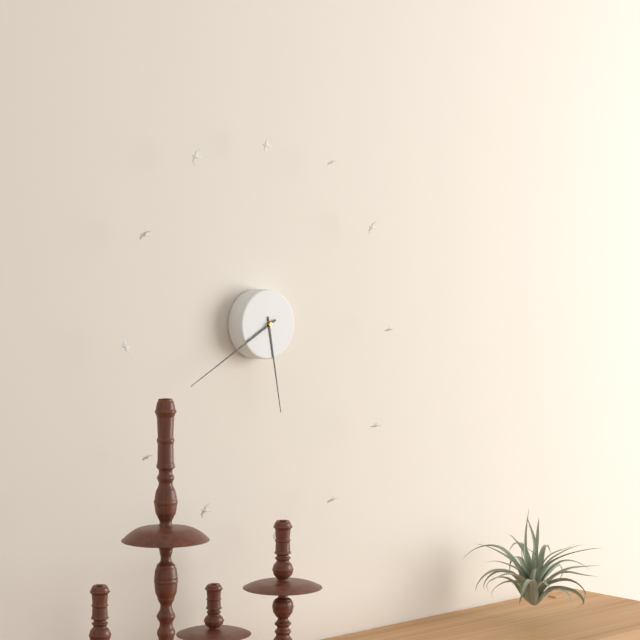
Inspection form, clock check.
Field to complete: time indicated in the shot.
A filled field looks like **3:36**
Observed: **5:40**
